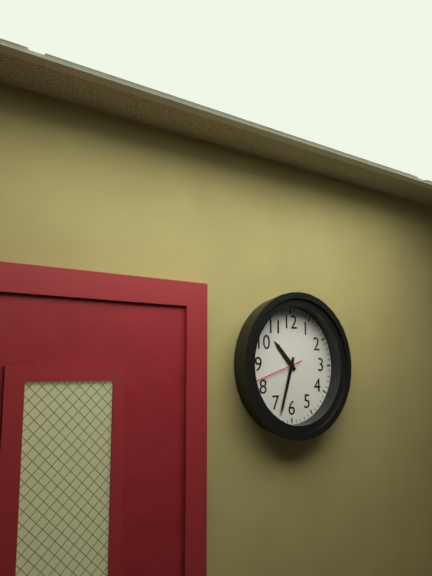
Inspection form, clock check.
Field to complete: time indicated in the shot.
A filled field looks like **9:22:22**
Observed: **10:33:42**
